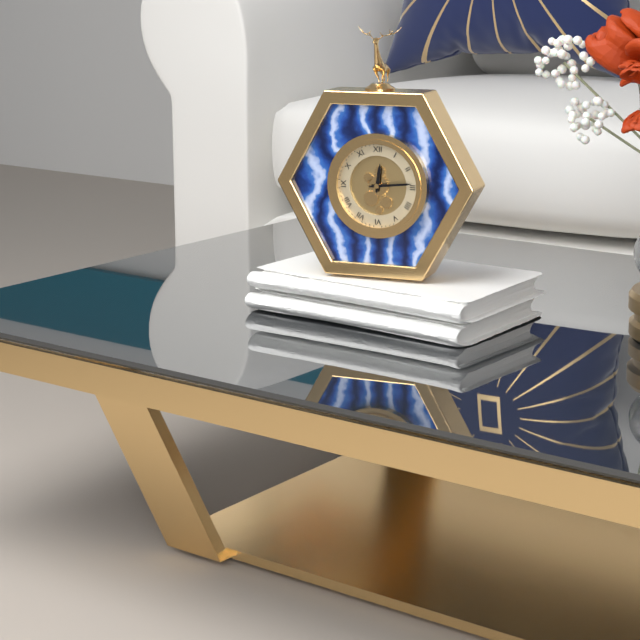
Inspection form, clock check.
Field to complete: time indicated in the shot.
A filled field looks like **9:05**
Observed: **12:14**
